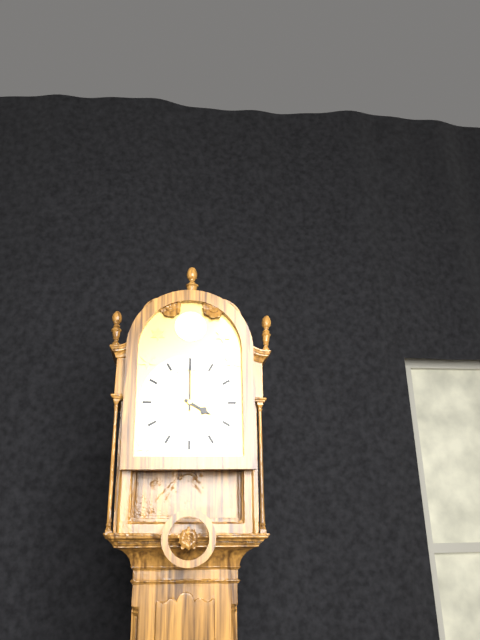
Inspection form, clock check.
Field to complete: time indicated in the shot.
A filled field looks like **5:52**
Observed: **4:00**
